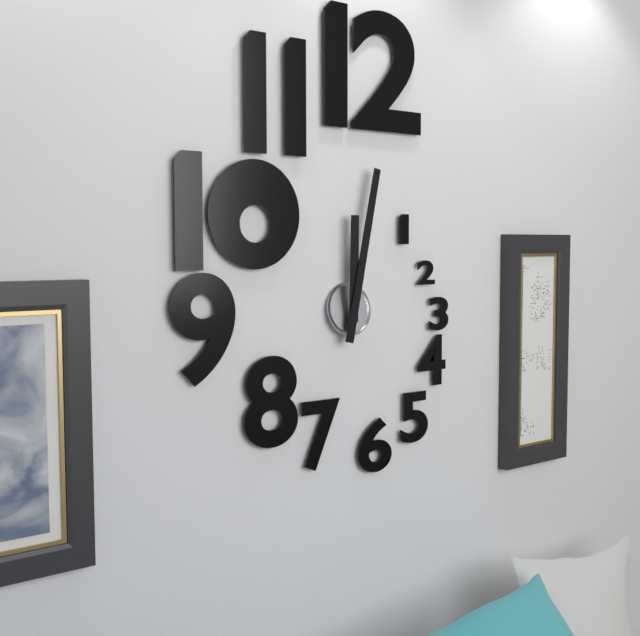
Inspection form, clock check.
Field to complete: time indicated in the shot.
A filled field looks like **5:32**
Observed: **12:02**
